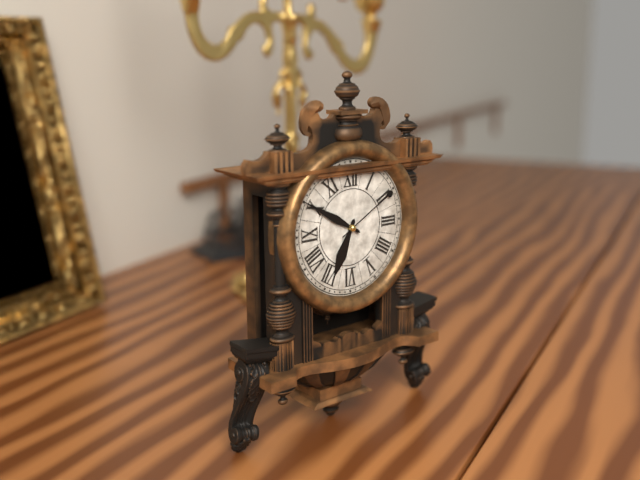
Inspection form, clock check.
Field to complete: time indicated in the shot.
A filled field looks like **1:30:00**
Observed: **6:50:10**
